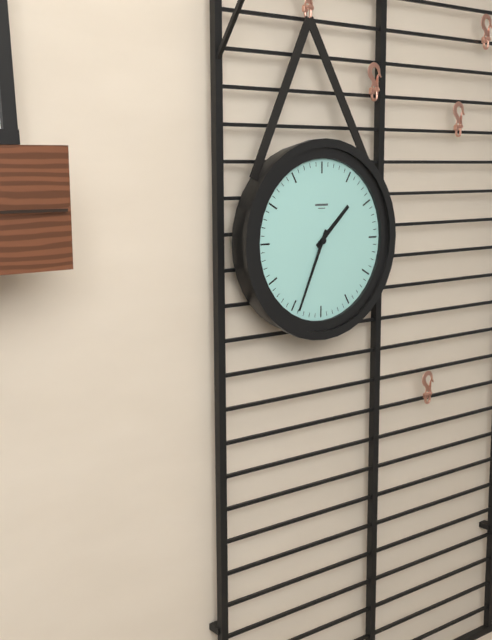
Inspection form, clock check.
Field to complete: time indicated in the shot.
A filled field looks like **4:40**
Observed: **1:34**
